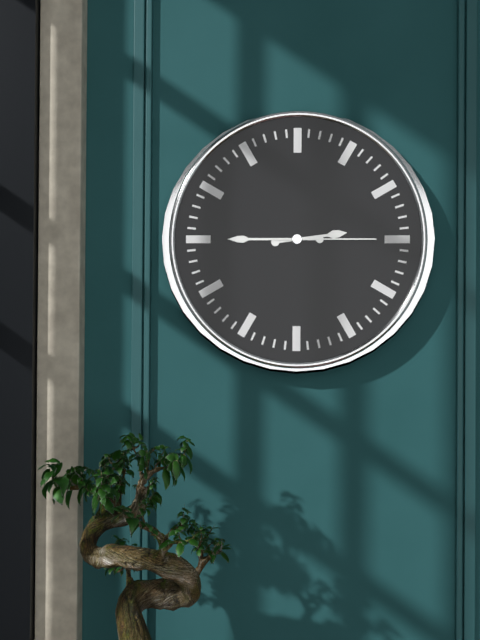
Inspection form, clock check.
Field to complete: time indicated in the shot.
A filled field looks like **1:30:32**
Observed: **2:45:15**
